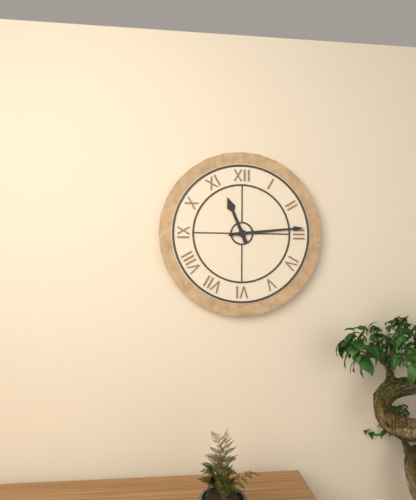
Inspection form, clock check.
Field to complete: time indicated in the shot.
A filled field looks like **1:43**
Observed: **11:14**
